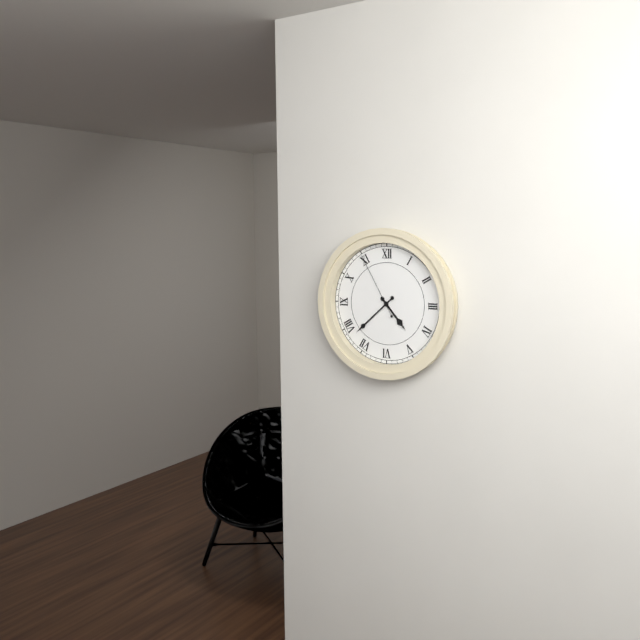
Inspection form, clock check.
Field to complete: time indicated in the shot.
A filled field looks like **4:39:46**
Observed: **4:38:55**
